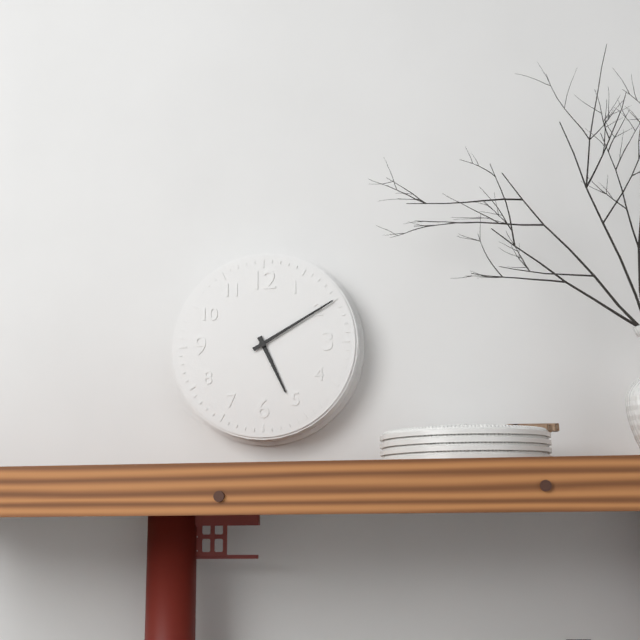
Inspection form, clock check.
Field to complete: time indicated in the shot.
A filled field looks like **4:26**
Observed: **5:10**
